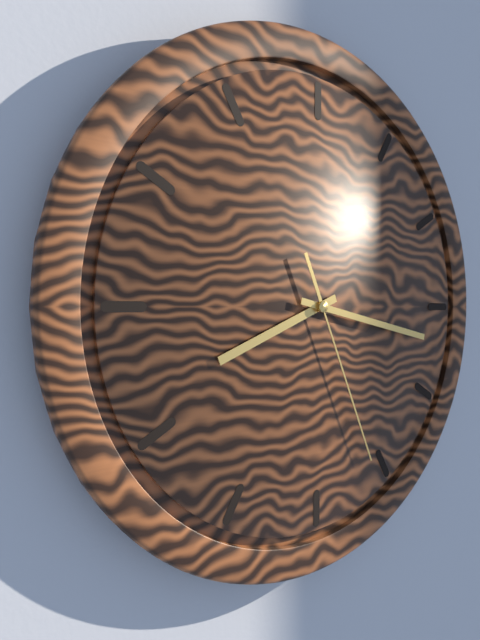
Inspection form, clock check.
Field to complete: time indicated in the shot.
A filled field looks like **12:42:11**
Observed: **8:17:26**
